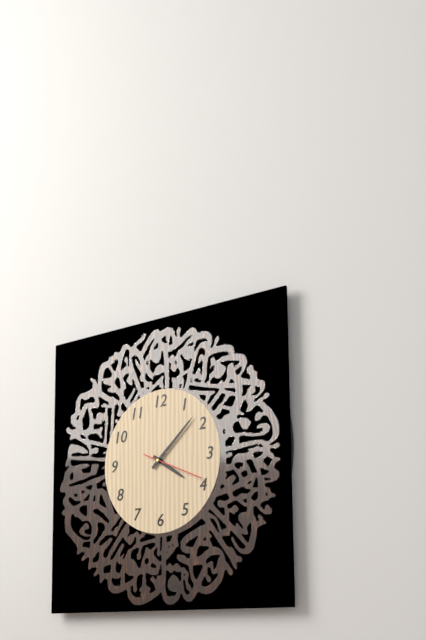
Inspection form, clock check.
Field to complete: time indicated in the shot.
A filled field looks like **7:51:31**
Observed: **4:08:19**
